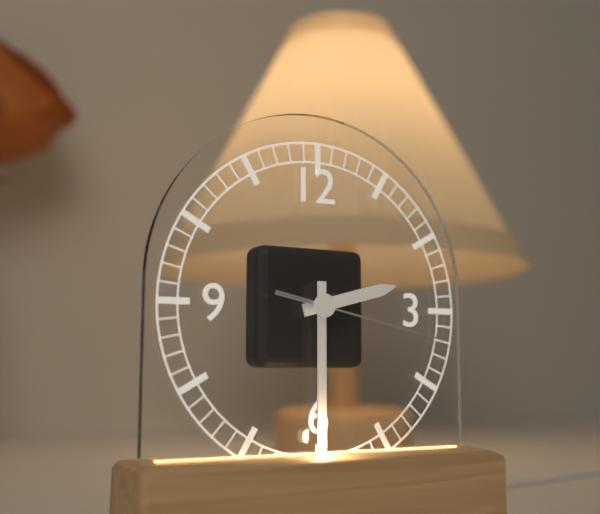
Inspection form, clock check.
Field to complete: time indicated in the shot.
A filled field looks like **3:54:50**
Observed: **2:30:17**
